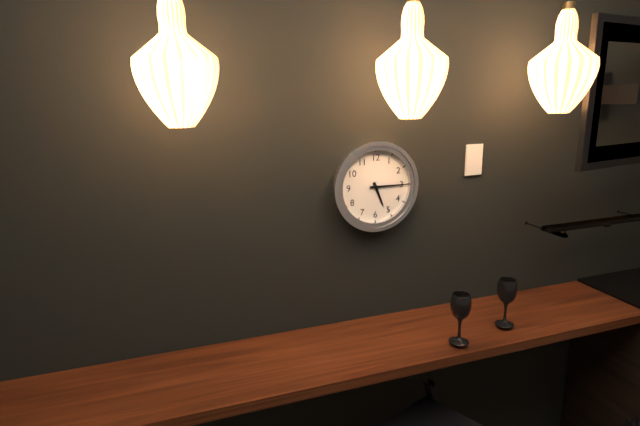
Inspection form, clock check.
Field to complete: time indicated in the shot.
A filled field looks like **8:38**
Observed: **5:15**
